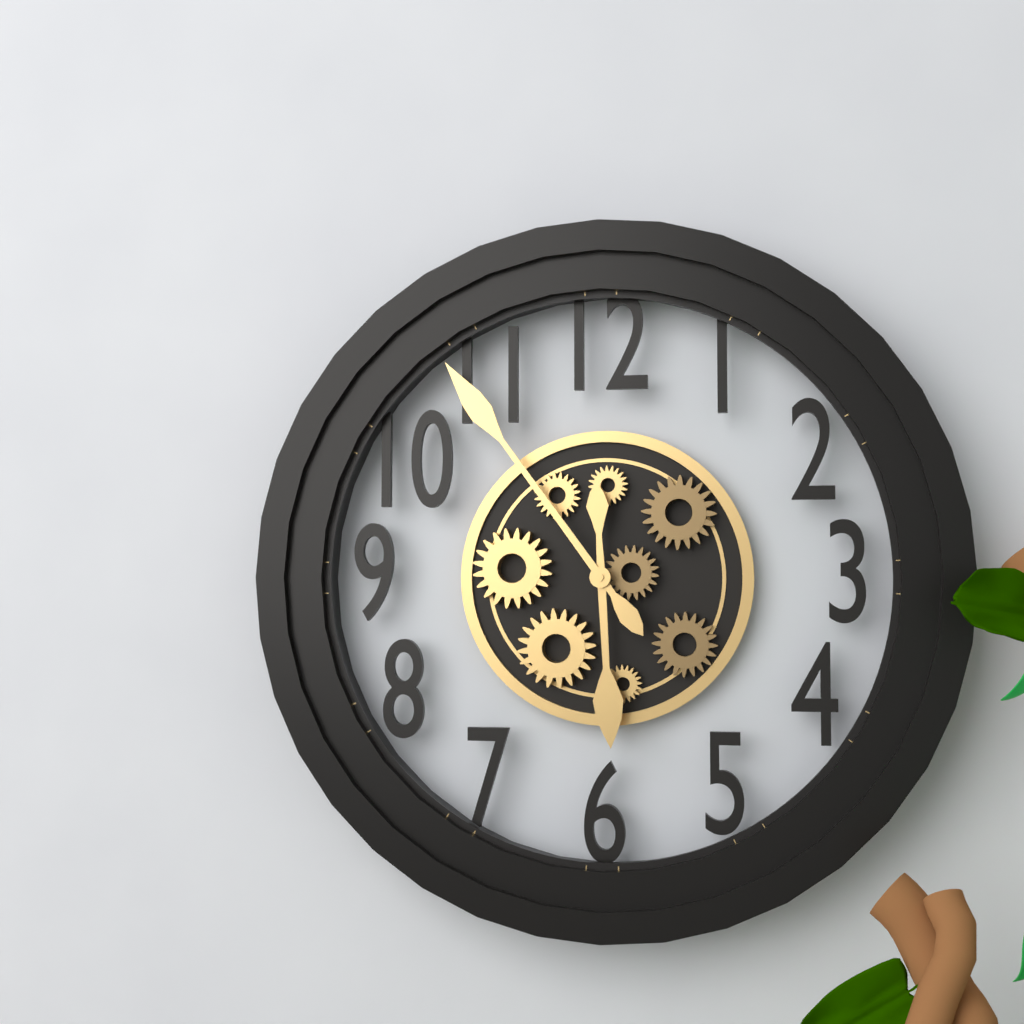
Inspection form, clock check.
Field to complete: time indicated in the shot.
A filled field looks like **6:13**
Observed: **5:54**
